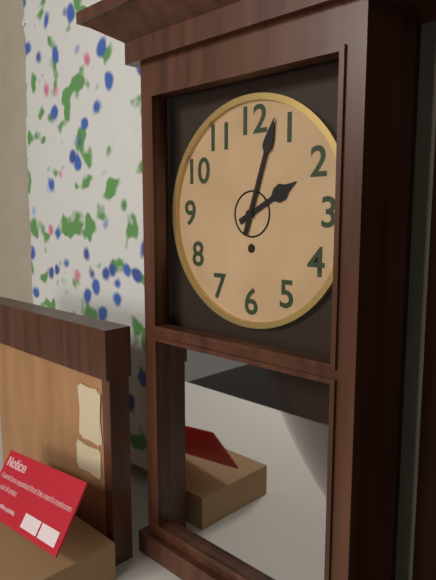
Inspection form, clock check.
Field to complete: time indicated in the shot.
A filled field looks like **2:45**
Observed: **2:03**
